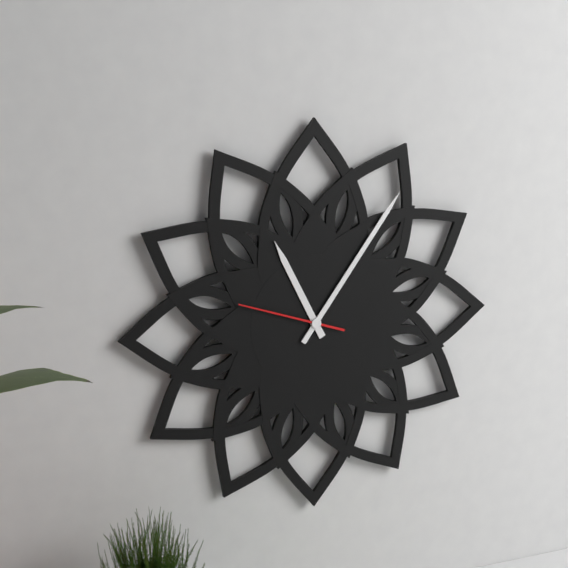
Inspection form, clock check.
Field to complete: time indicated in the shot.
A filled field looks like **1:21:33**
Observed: **11:06:48**
